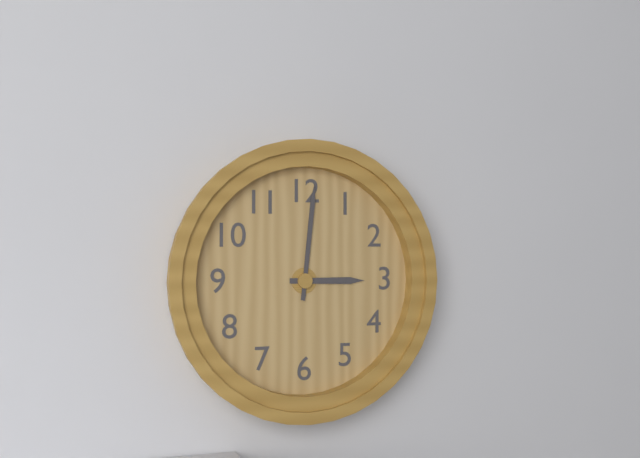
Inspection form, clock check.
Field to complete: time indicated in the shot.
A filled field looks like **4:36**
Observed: **3:01**
